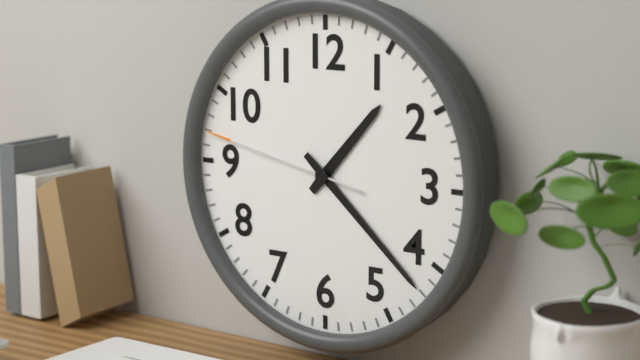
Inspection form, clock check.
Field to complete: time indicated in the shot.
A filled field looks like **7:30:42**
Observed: **1:22:47**
